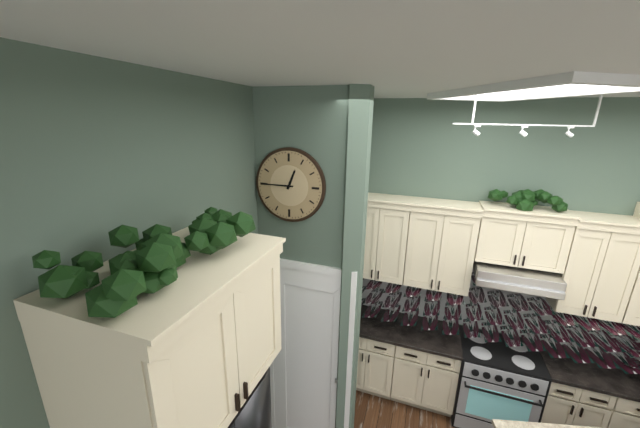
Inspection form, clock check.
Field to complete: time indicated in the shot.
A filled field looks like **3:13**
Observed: **12:45**
